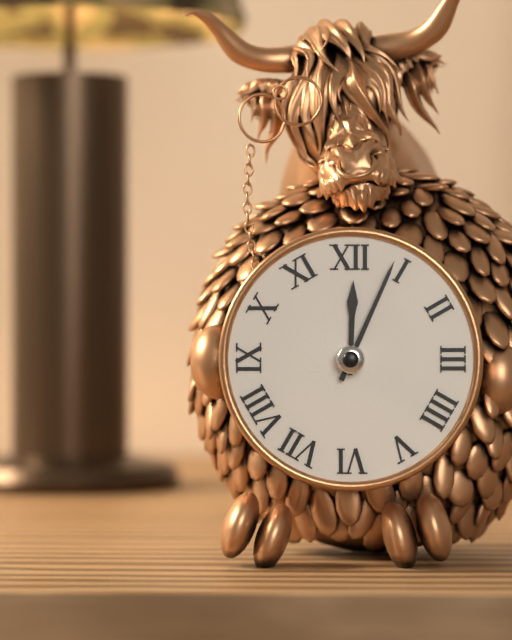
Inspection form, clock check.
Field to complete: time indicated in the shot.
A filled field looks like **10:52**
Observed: **12:04**
